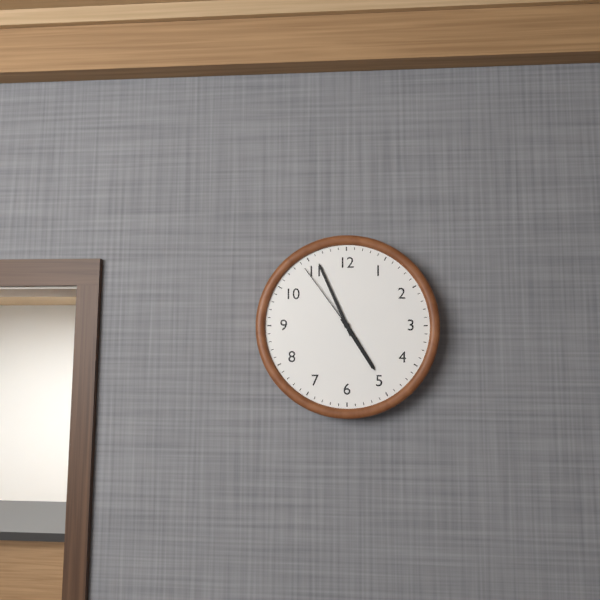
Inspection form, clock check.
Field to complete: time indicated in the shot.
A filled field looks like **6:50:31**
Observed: **4:56:54**
